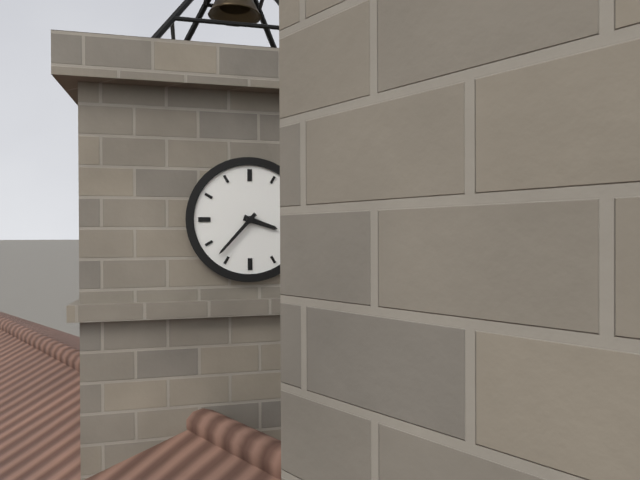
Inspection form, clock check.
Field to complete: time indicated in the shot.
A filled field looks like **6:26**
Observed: **3:37**
